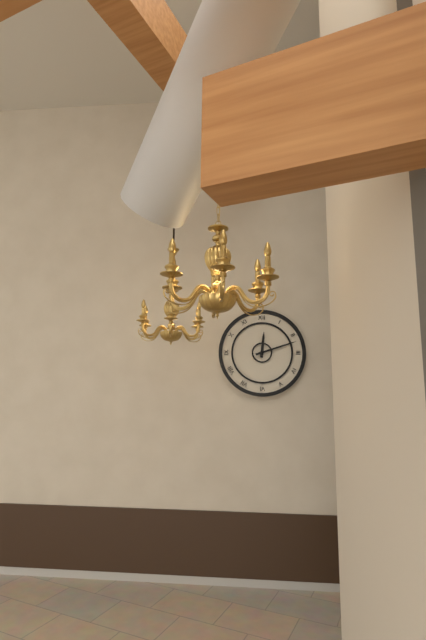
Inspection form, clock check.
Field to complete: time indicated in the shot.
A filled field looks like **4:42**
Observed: **12:12**
